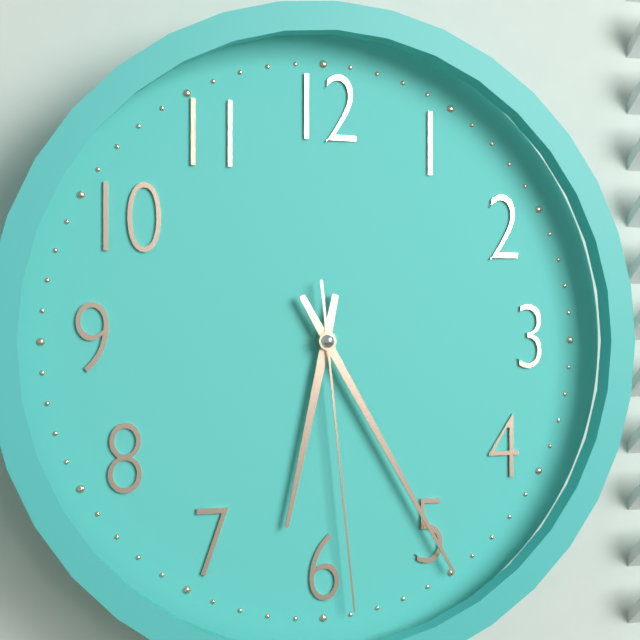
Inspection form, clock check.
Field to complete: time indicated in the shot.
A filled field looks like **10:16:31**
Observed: **6:25:29**
